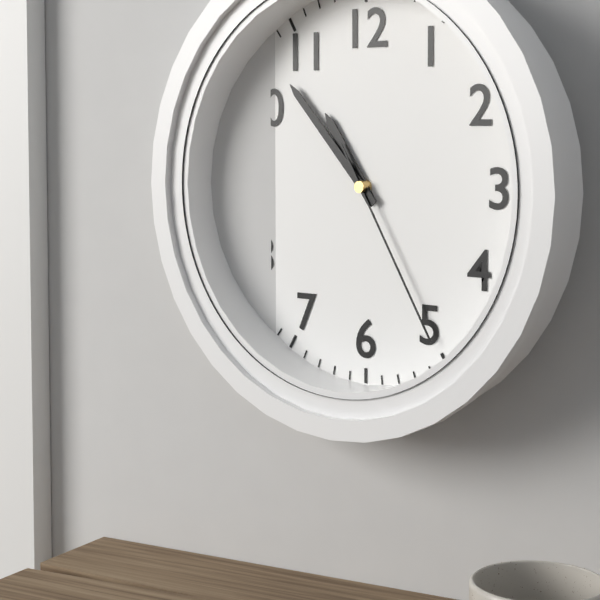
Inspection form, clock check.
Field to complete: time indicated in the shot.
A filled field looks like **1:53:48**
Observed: **10:53:25**
